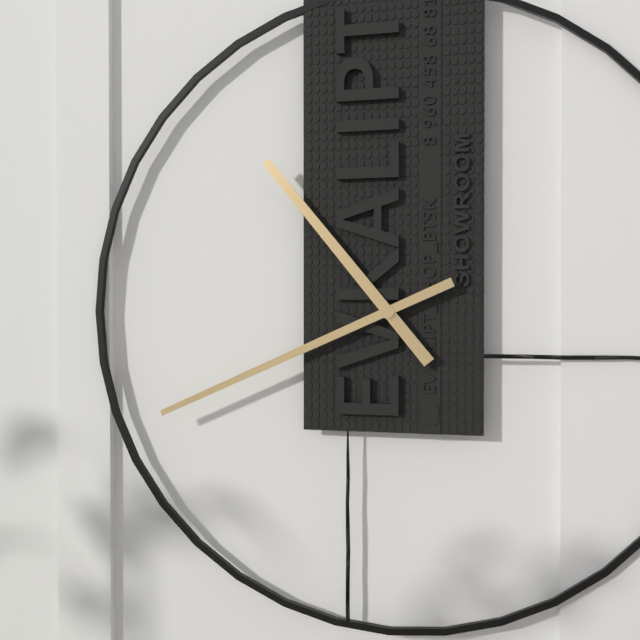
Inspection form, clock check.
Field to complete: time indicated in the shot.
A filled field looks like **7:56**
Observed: **10:41**
